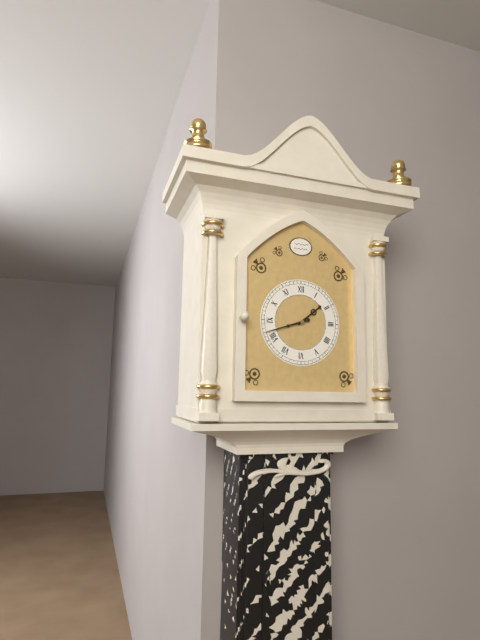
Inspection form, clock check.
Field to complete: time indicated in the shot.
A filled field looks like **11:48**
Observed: **1:42**
